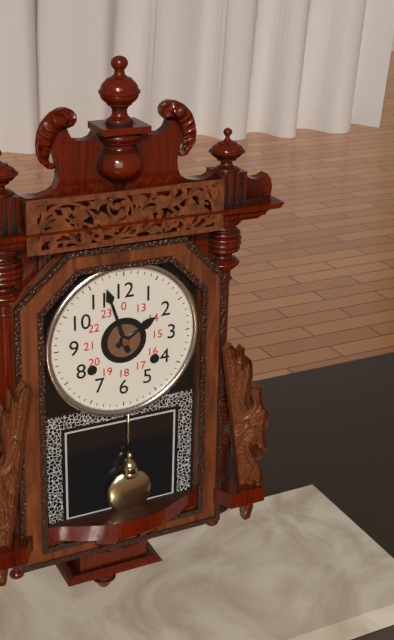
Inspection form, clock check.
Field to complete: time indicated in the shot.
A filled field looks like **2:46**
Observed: **1:57**
